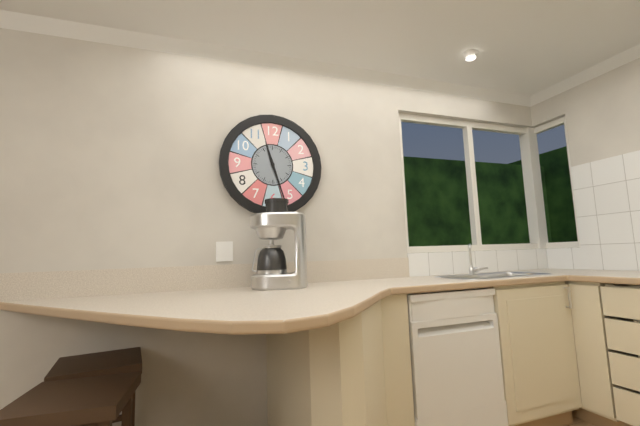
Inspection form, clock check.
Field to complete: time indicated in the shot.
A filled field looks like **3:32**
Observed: **11:27**
